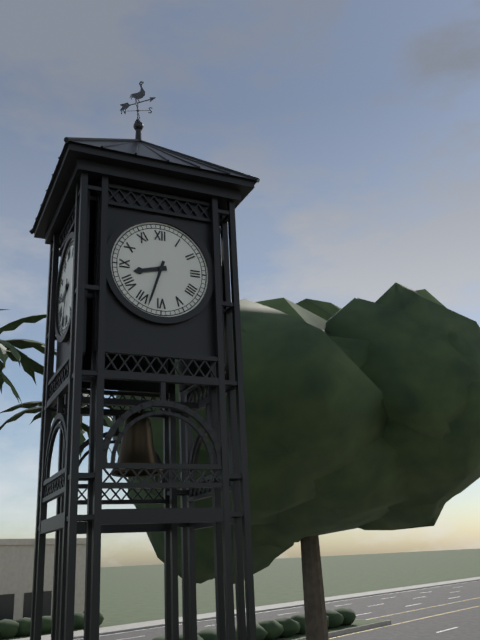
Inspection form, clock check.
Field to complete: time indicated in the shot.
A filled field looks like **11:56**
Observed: **8:33**
